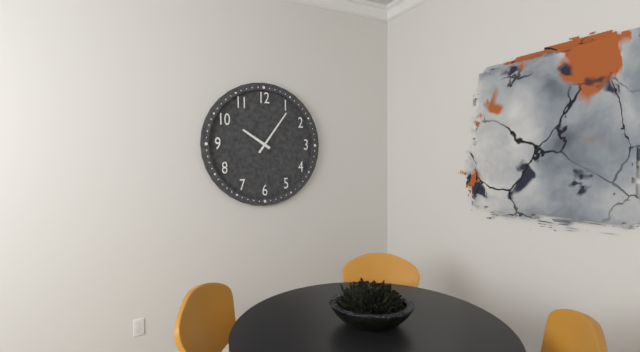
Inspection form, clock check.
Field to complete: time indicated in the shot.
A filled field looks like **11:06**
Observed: **10:06**
